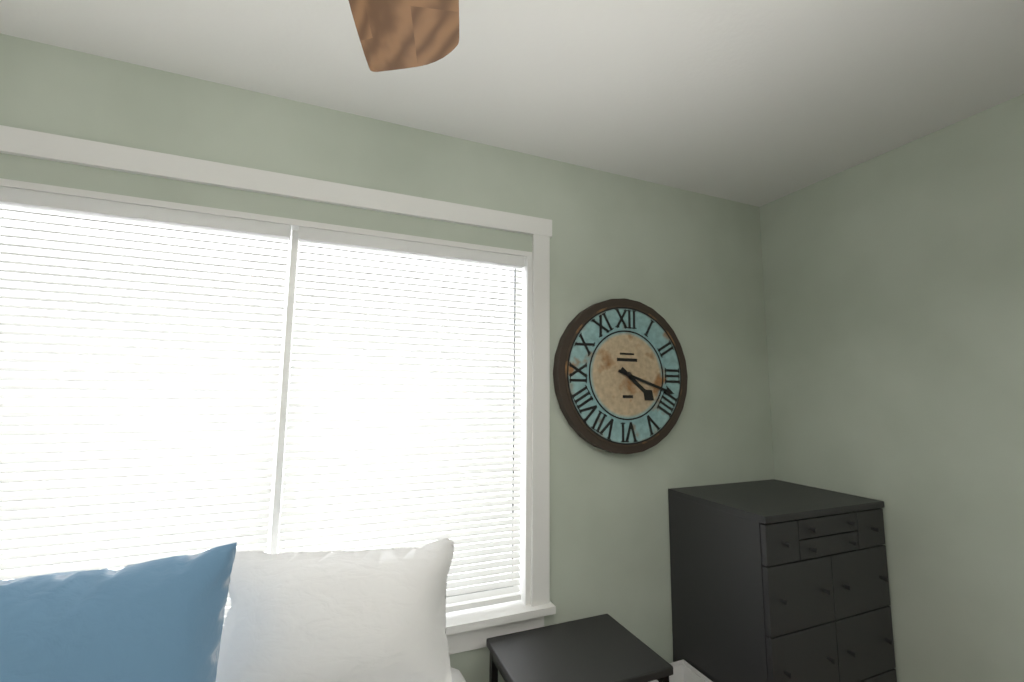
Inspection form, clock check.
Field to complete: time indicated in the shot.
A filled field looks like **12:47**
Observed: **4:18**
